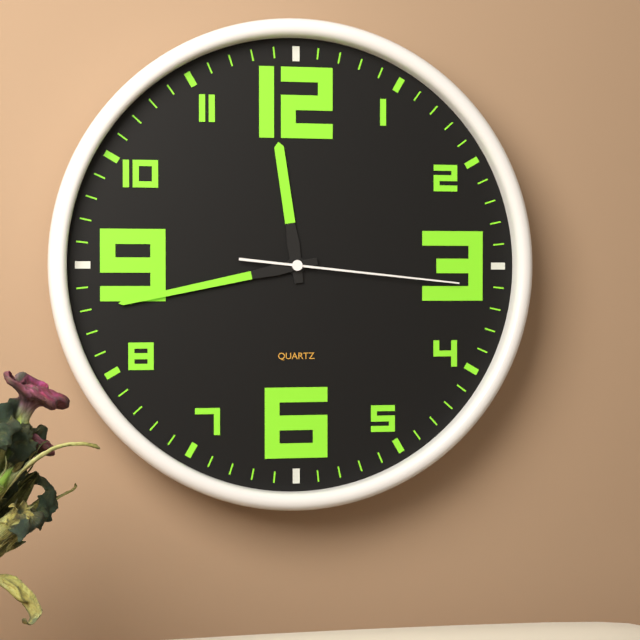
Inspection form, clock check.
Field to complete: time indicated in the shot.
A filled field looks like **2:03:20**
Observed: **11:43:16**
